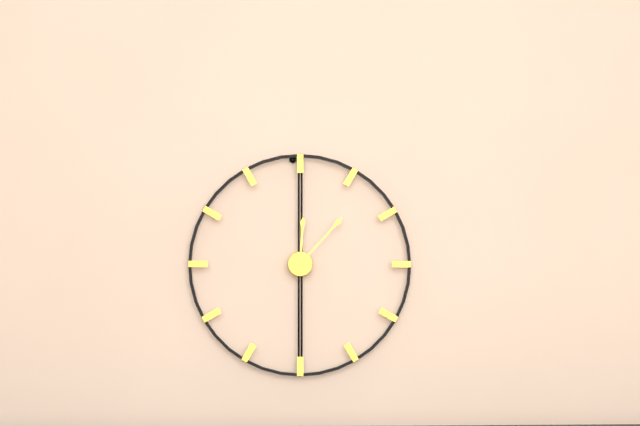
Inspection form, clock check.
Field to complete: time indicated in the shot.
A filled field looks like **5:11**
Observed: **12:07**
